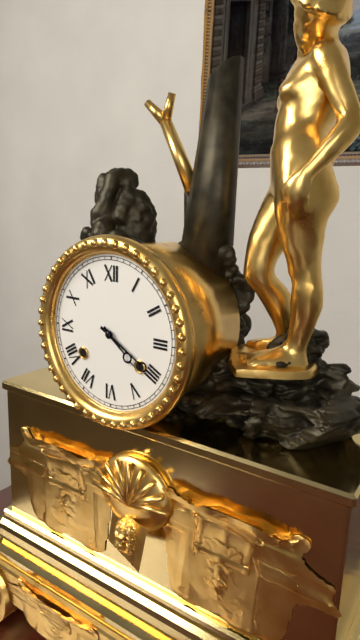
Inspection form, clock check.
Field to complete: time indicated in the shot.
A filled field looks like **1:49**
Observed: **4:20**
